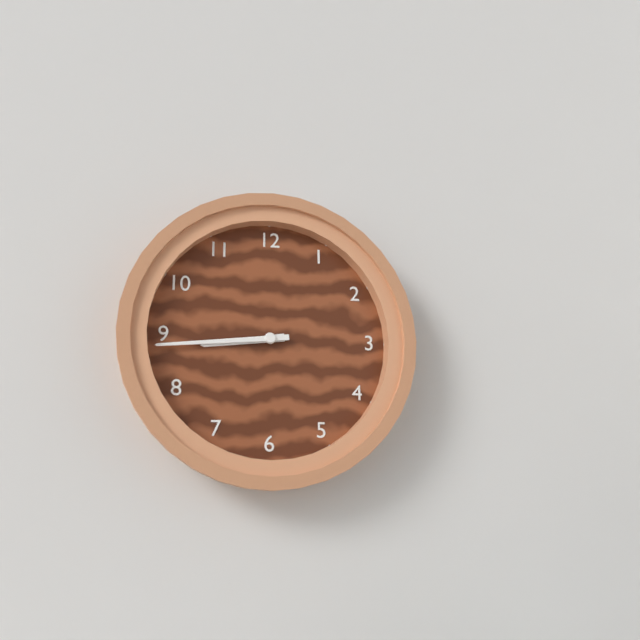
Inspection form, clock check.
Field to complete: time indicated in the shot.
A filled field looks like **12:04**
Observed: **8:44**
